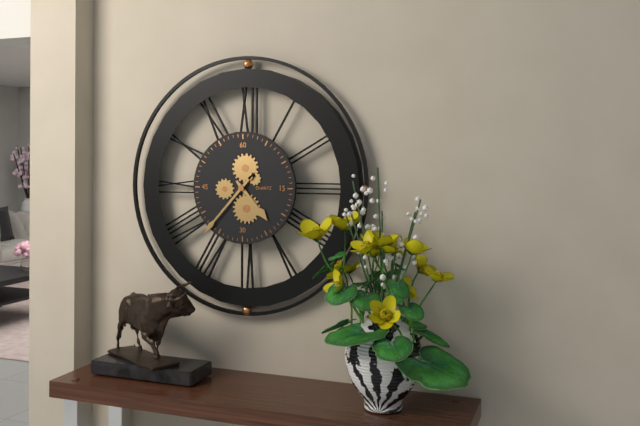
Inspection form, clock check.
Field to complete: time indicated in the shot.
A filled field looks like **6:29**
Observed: **4:37**
